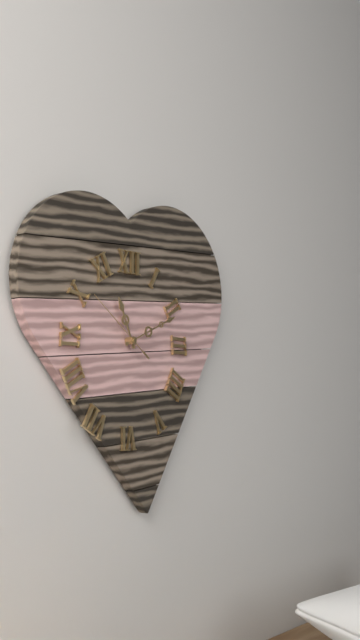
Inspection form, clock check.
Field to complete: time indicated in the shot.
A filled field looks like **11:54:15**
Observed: **11:11:51**
